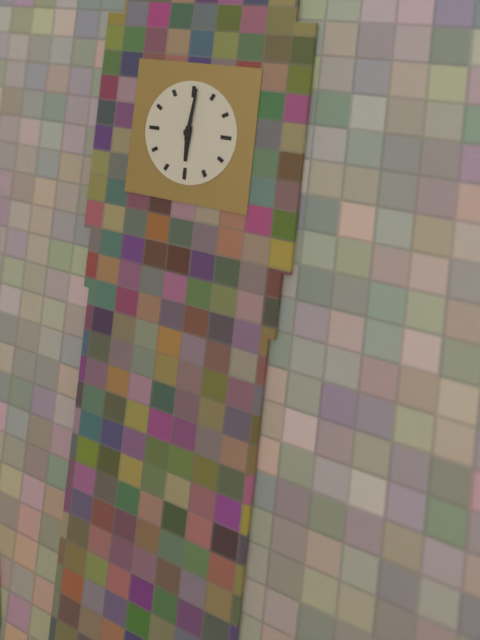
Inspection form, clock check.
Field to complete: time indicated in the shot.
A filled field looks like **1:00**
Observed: **6:01**
